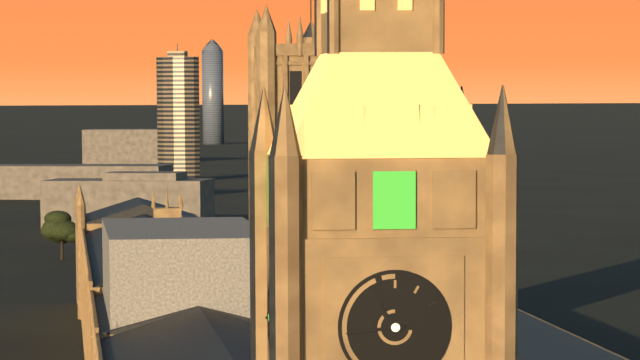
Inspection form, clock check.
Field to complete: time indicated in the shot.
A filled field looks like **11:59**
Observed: **10:44**
